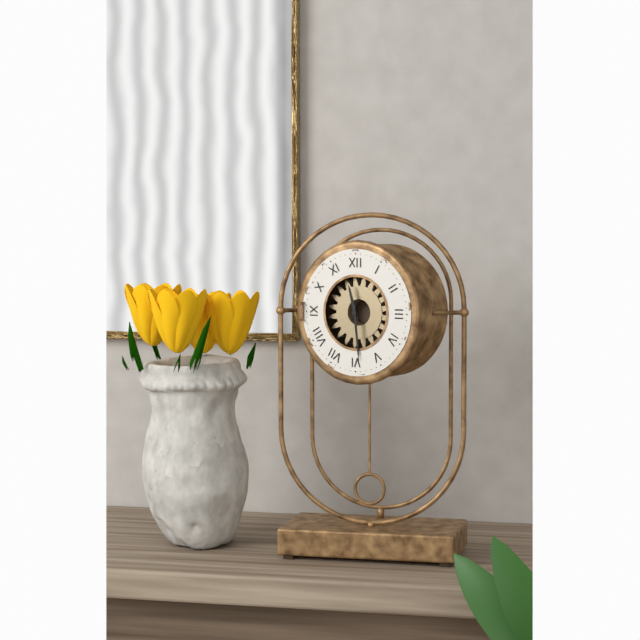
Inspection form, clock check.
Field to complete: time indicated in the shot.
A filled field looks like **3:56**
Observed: **11:29**
